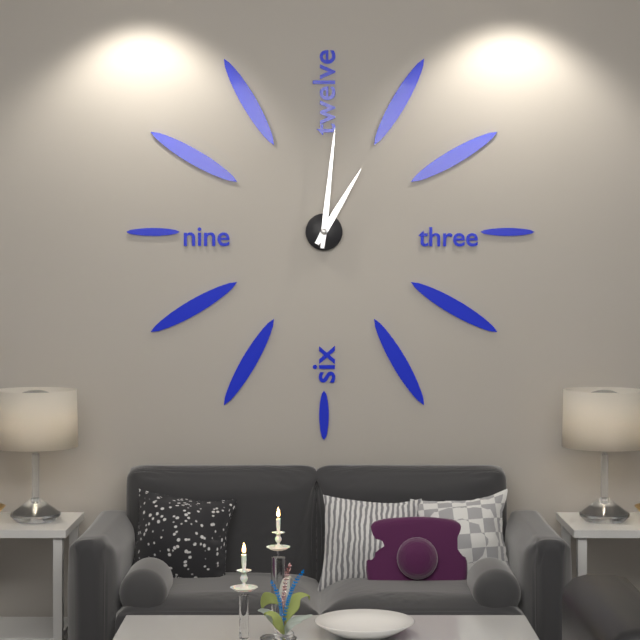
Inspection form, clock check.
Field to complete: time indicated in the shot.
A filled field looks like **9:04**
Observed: **1:01**
